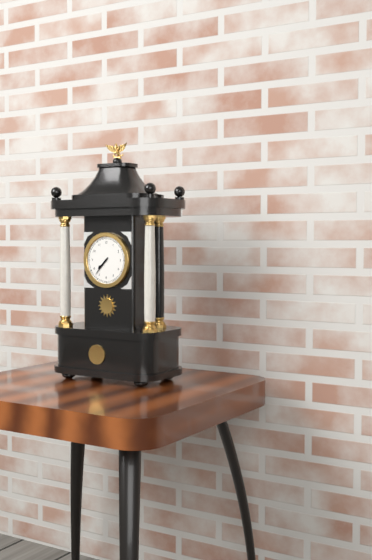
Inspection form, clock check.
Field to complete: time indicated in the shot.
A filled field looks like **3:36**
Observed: **7:37**
